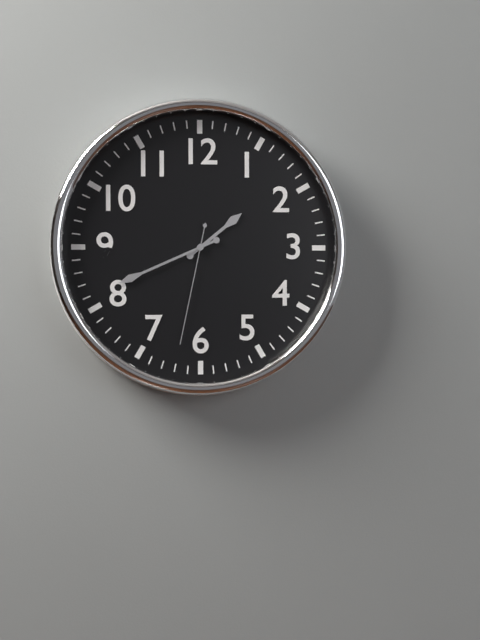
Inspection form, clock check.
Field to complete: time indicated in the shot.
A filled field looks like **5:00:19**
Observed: **1:41:32**
